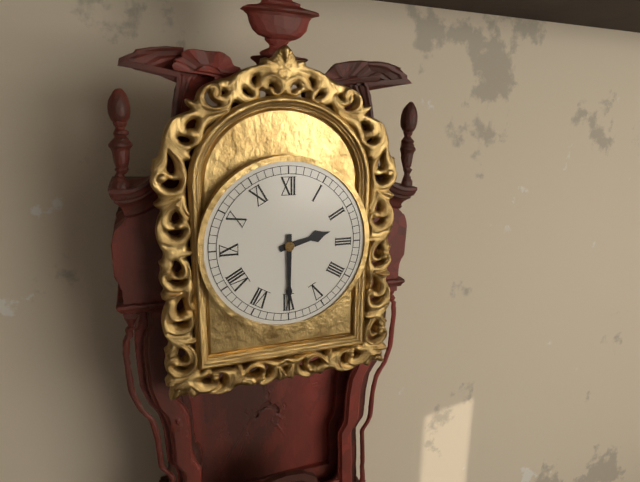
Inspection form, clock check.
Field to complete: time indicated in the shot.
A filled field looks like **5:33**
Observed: **2:30**
